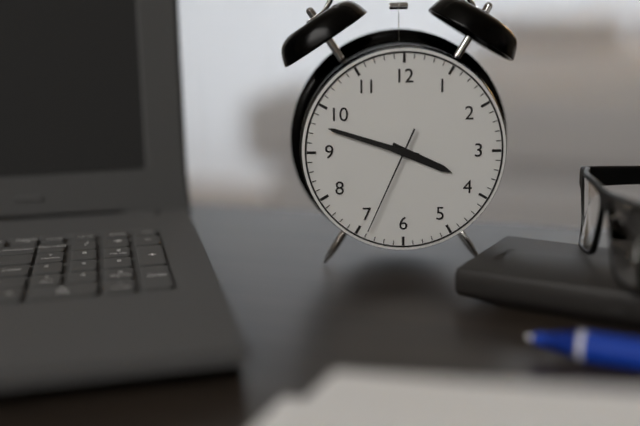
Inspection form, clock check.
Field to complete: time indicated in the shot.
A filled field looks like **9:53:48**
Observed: **3:48:34**
